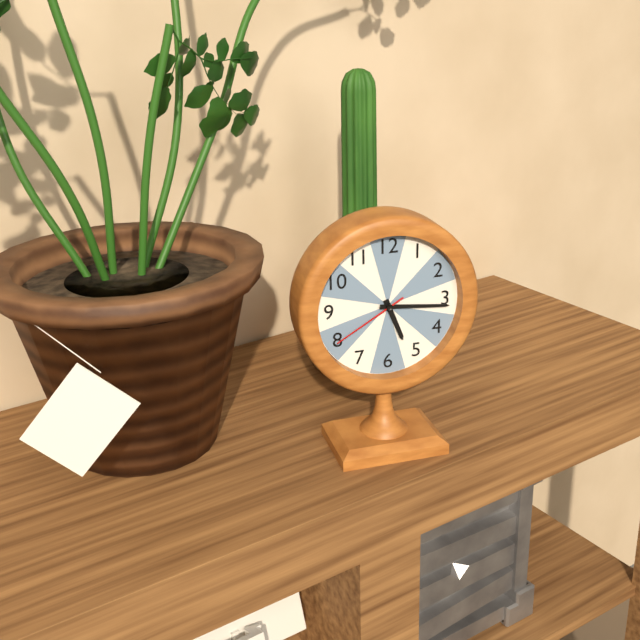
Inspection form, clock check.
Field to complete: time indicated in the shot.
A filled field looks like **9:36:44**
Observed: **5:16:40**
